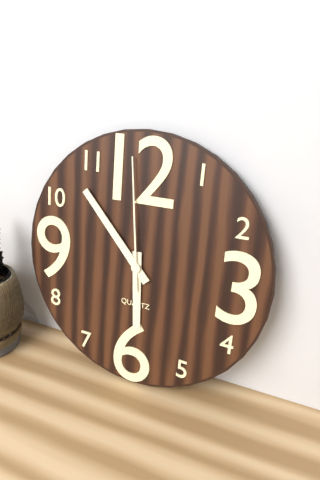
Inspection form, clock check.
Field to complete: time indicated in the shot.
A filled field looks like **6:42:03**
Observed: **5:53:59**
